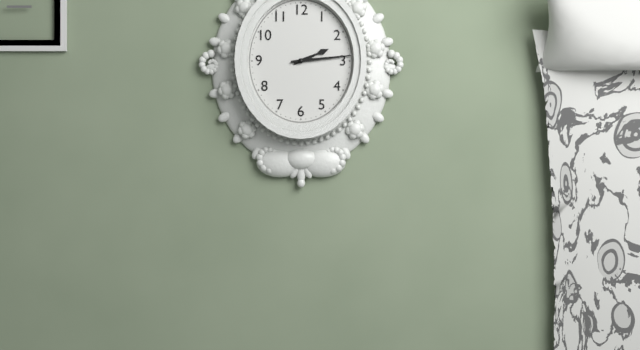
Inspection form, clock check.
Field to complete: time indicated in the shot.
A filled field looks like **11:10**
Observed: **2:14**
